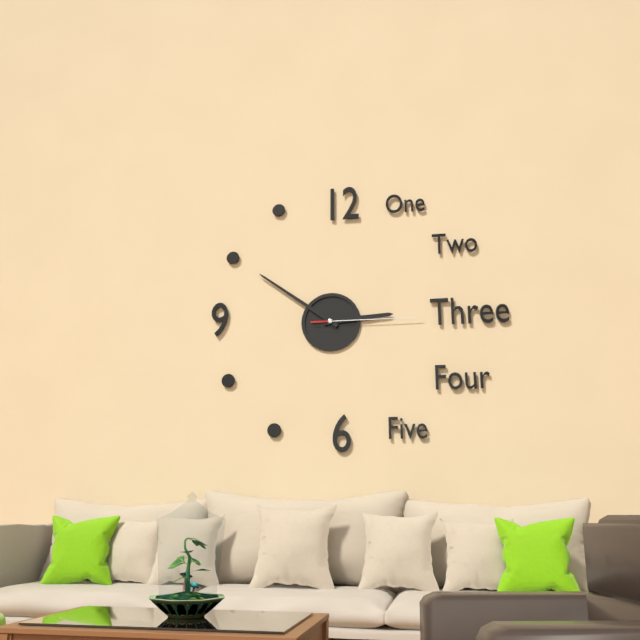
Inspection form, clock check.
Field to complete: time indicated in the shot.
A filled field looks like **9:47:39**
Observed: **2:51:15**
